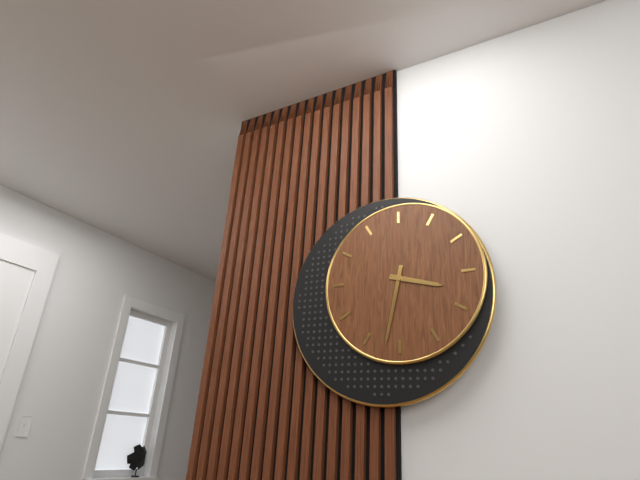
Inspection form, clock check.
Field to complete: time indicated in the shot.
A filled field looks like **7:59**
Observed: **3:32**
